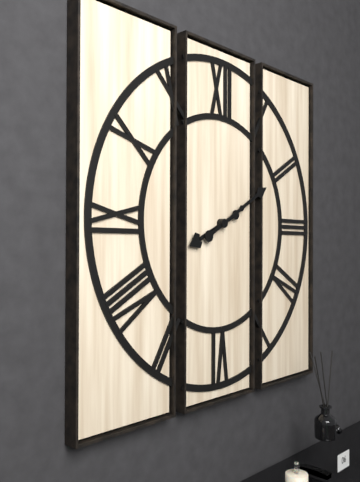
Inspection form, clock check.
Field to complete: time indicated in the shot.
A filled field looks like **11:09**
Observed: **8:10**
